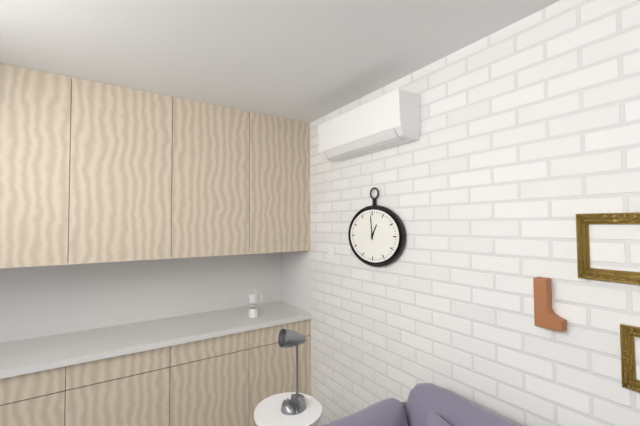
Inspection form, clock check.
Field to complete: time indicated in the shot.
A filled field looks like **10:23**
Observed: **12:59**
